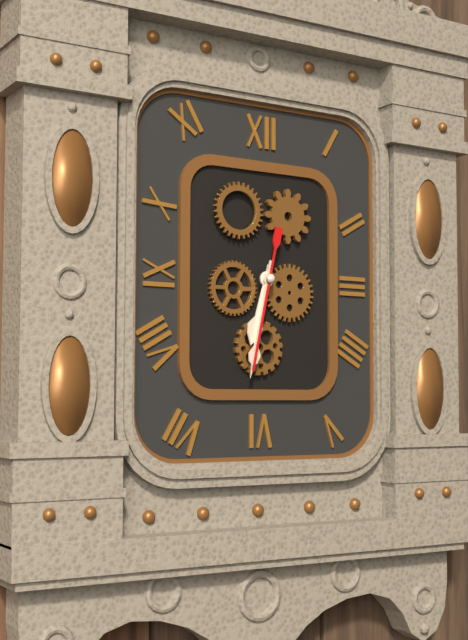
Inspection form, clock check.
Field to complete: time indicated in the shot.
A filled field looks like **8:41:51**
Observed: **6:32:32**
